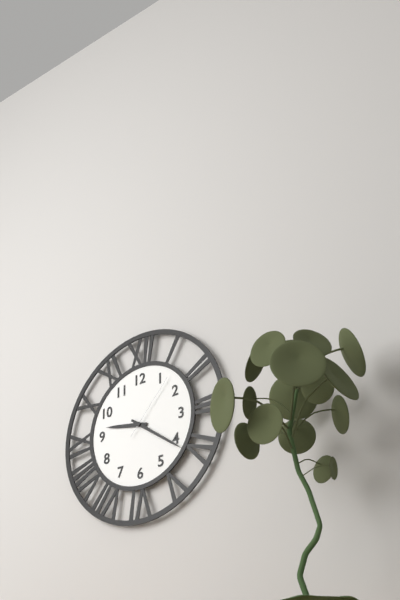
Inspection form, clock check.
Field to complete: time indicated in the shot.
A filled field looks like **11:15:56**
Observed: **9:21:07**
